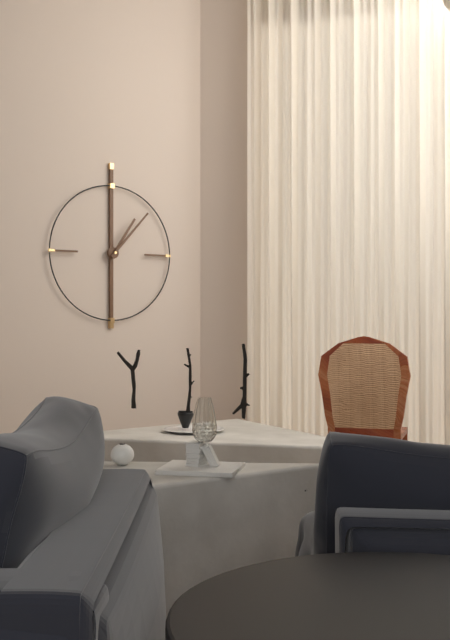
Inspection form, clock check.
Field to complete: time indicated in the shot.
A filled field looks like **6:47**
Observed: **1:07**
